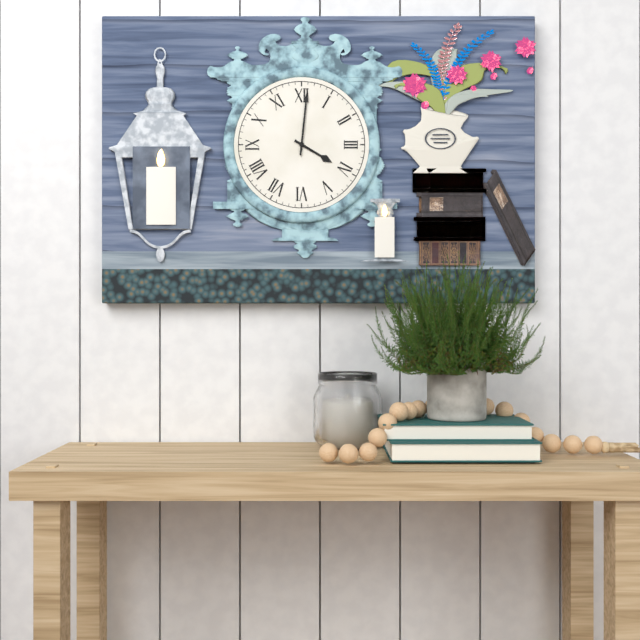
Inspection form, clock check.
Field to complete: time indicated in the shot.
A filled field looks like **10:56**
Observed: **4:01**
